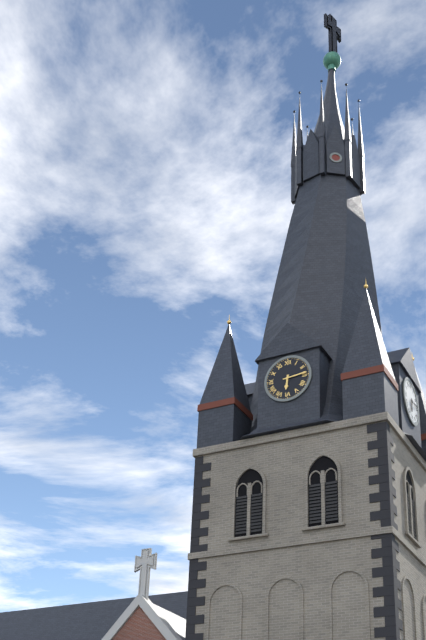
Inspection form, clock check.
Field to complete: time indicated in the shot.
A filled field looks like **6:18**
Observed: **6:14**
